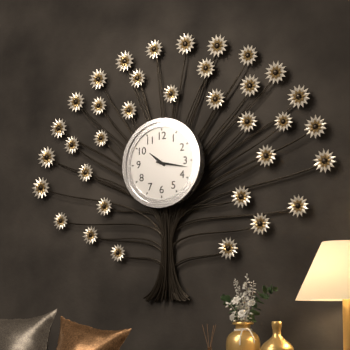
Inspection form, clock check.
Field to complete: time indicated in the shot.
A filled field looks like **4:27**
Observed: **10:17**
